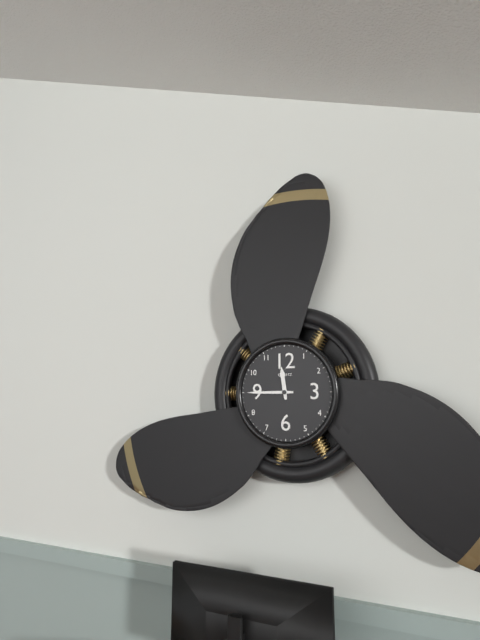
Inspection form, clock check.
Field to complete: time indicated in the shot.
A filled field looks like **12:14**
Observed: **11:45**
